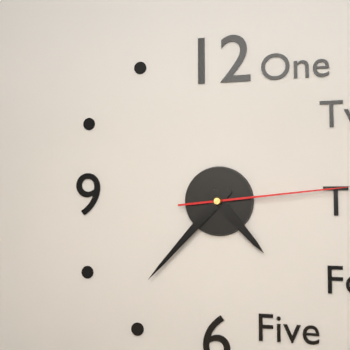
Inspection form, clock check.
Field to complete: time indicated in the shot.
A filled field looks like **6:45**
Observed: **4:37**
